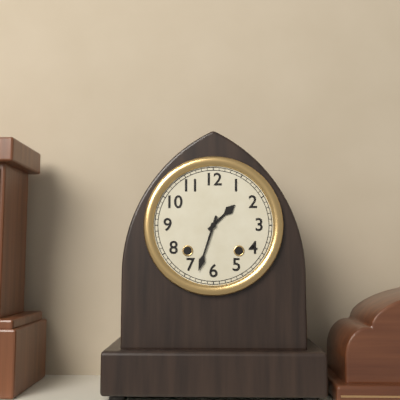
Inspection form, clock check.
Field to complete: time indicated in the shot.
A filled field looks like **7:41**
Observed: **1:33**
